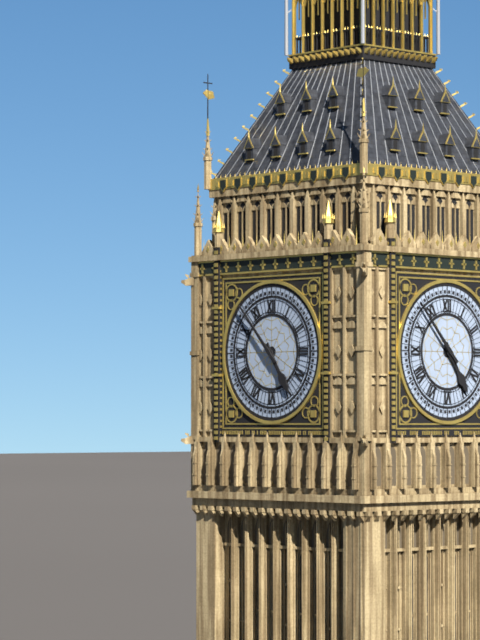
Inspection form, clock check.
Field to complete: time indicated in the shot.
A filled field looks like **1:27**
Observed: **4:53**
